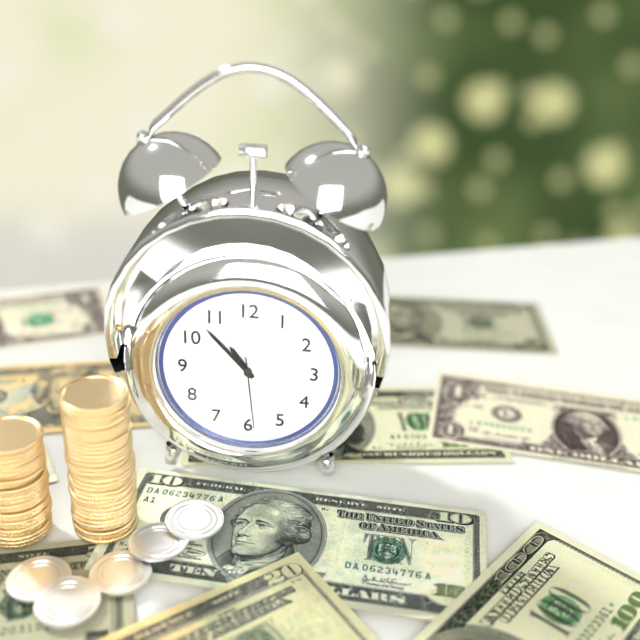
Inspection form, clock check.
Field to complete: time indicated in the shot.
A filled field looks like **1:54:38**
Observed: **10:53:29**
